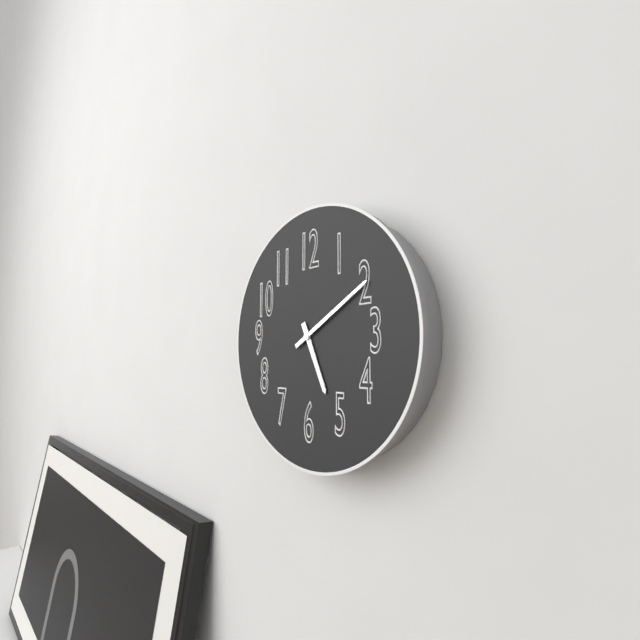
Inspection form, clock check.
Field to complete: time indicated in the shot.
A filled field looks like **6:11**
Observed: **5:10**
